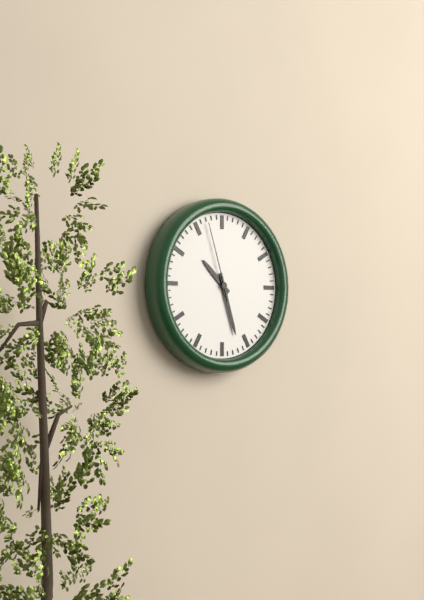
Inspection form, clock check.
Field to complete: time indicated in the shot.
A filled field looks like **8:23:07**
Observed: **10:27:57**
